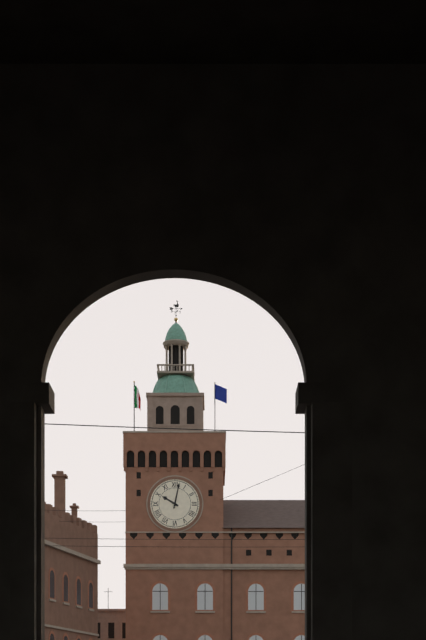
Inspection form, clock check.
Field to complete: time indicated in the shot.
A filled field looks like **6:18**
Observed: **10:02**
